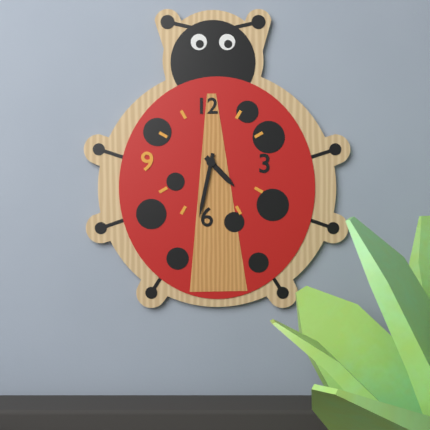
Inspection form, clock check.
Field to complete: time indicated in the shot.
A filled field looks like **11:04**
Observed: **4:32**
